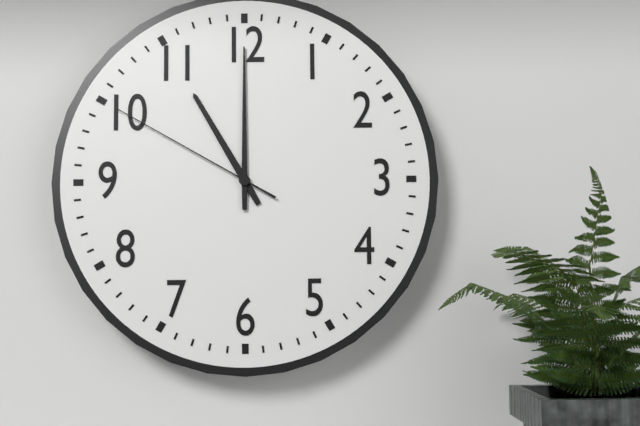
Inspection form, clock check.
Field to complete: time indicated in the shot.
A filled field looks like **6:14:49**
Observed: **11:00:50**
